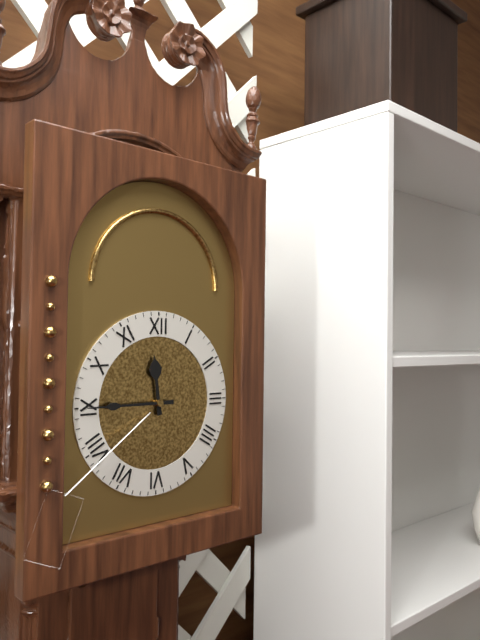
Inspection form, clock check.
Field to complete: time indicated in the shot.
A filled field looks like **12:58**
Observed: **11:45**
